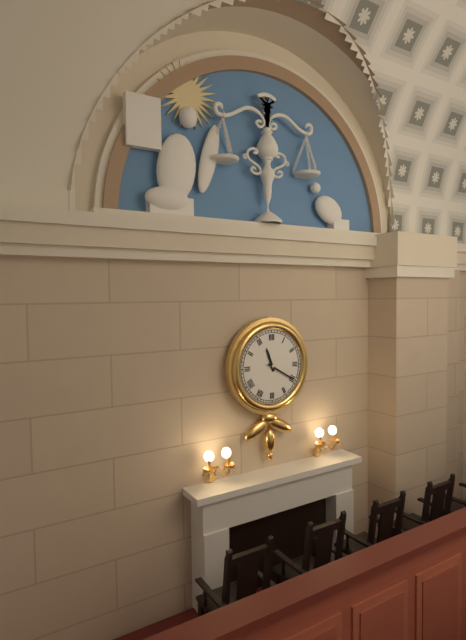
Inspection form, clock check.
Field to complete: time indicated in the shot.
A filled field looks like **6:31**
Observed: **11:20**
